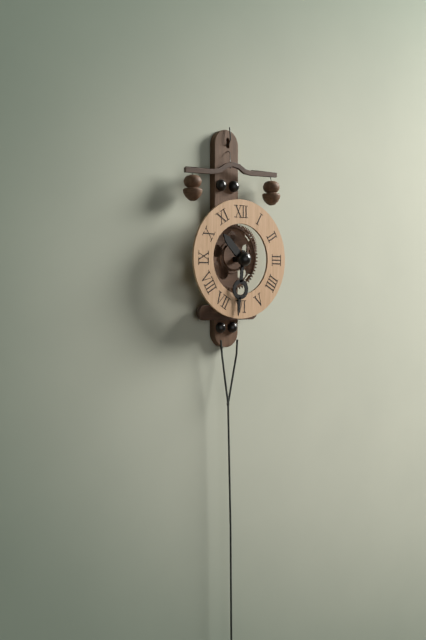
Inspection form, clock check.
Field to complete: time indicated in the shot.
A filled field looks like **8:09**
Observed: **10:31**
